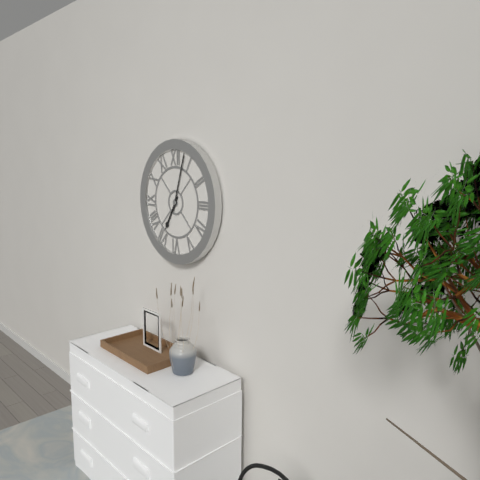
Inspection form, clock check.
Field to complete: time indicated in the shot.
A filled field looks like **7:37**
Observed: **7:03**
